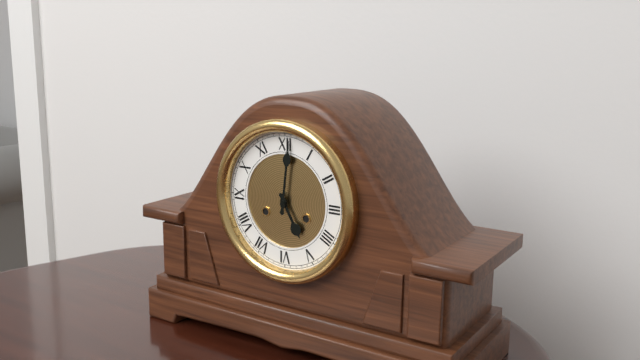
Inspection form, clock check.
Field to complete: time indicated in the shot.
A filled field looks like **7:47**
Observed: **5:01**
